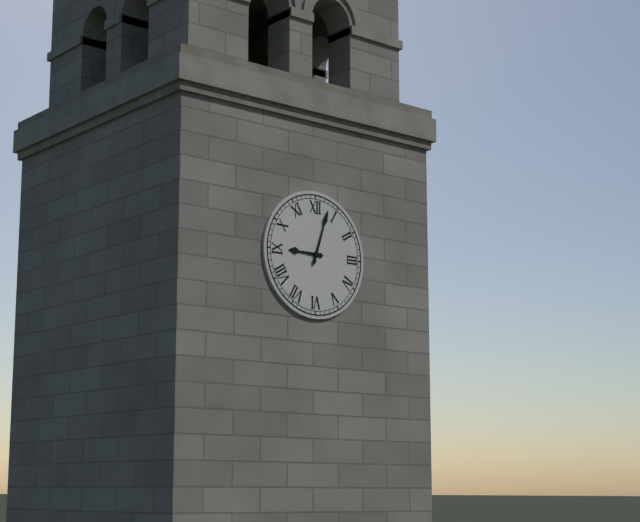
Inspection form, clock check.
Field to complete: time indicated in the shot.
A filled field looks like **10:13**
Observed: **9:03**
